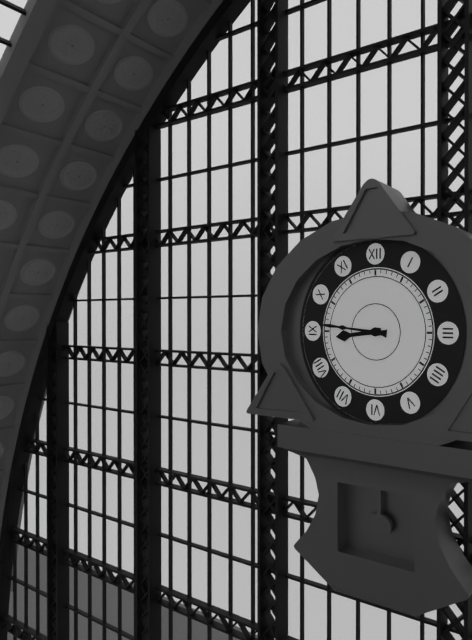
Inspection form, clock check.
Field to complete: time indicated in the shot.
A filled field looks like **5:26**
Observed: **8:46**
